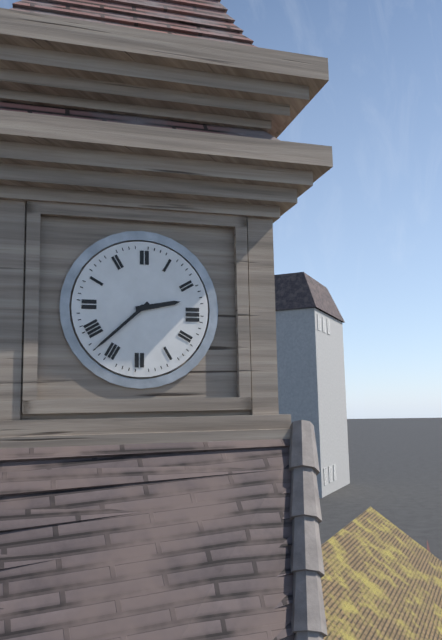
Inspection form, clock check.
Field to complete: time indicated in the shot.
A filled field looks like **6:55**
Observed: **2:38**
